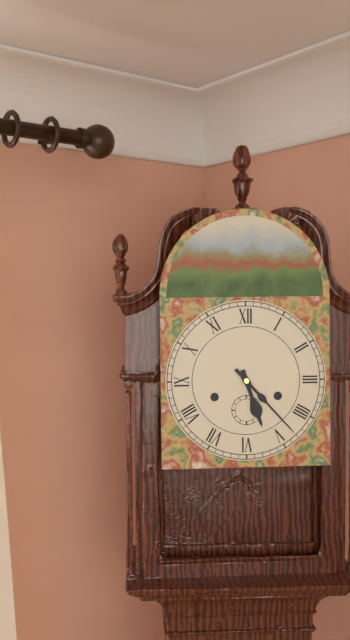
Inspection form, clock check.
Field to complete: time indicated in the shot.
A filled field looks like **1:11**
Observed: **5:23**
